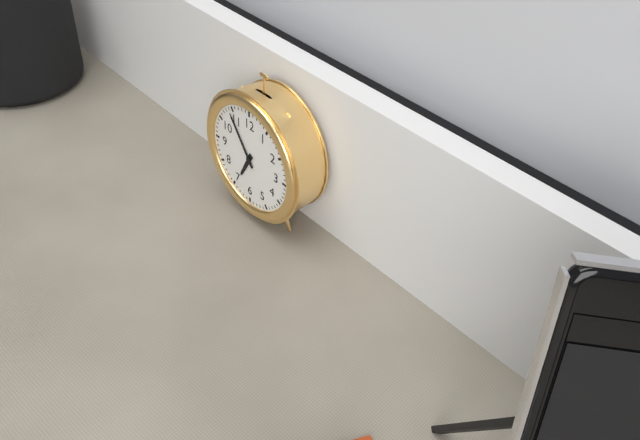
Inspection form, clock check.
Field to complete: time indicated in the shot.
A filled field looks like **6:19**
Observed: **6:54**
